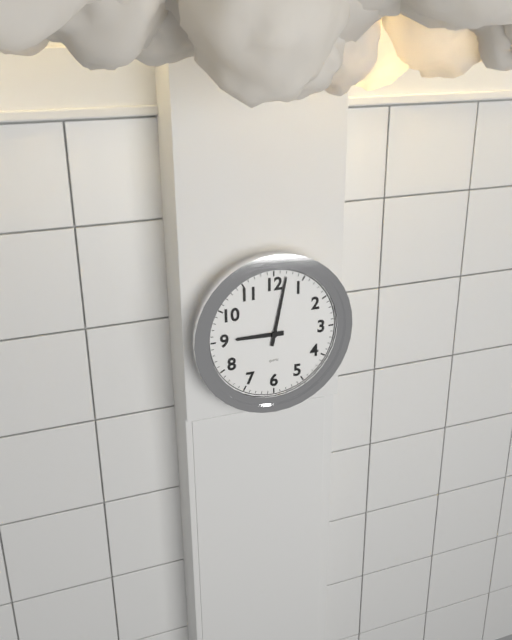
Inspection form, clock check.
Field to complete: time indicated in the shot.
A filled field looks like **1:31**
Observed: **9:02**
